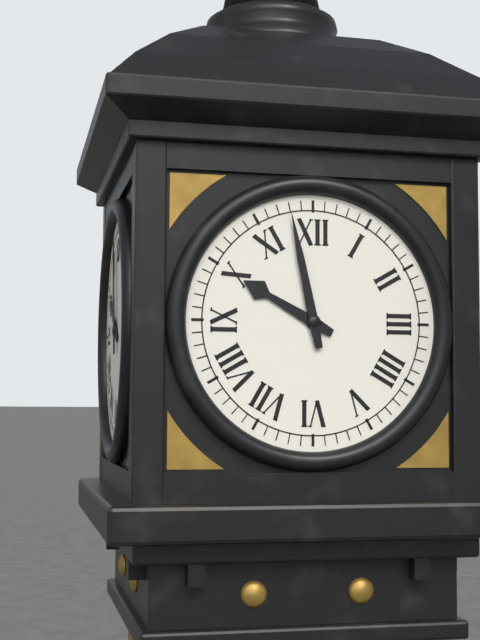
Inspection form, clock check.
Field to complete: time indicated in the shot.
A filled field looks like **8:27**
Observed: **9:58**
